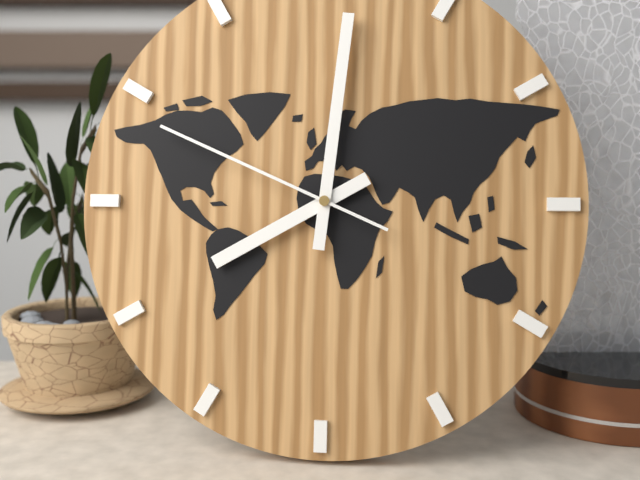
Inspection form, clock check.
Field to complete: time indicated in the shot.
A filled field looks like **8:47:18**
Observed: **8:01:49**
